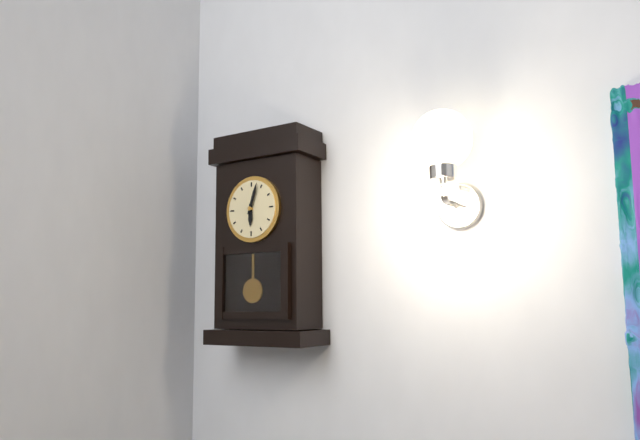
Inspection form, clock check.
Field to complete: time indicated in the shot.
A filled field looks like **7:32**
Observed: **6:03**
